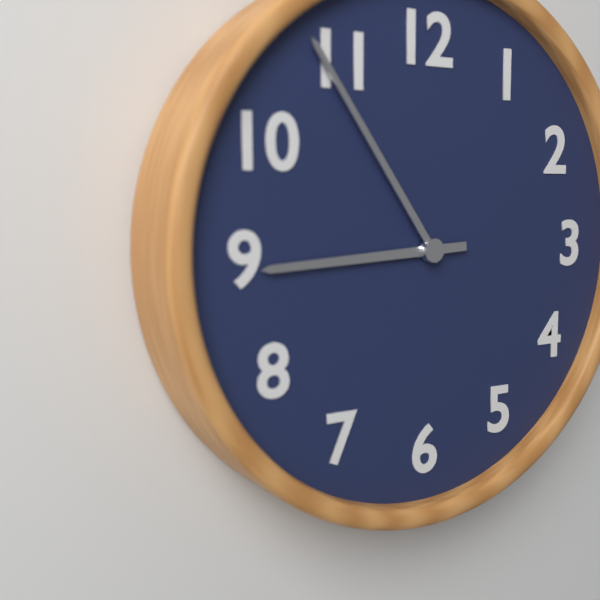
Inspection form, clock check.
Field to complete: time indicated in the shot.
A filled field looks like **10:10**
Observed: **8:54**
